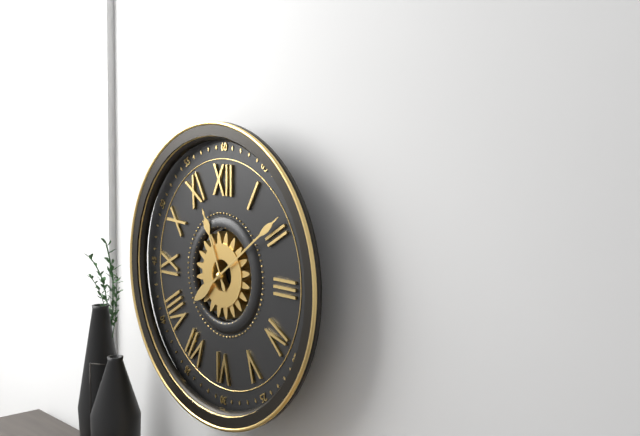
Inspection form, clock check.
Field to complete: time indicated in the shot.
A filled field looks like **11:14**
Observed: **11:09**
